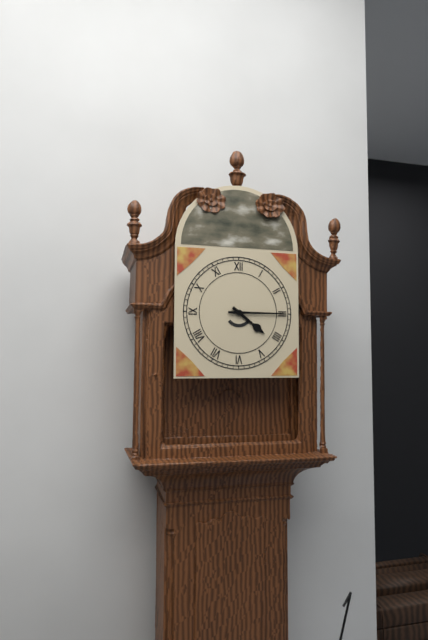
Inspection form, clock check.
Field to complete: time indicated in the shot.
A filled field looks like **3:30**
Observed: **4:15**
